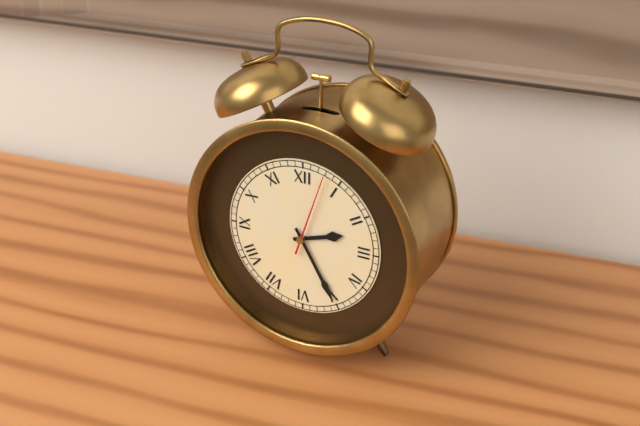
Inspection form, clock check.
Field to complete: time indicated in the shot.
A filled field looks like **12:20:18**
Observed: **2:25:03**
